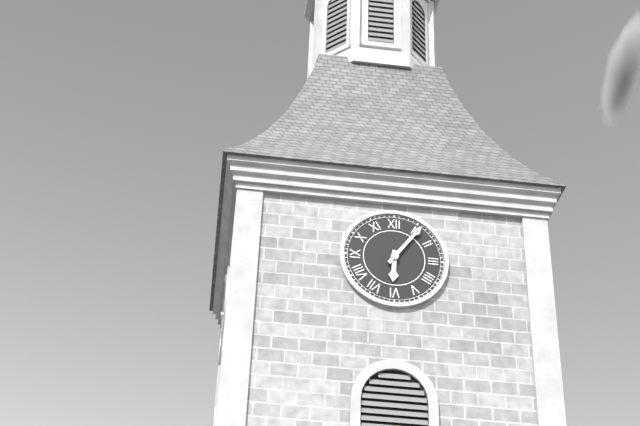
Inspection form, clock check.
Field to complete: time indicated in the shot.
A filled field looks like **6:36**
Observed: **6:06**
